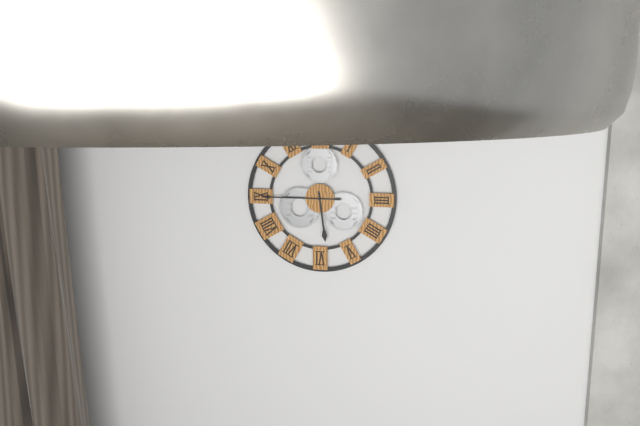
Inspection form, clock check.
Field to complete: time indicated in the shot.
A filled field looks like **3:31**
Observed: **5:45**
